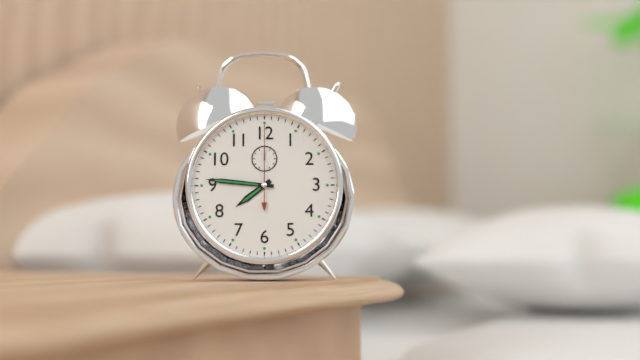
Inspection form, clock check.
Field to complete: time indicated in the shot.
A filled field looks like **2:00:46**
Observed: **7:46:00**
